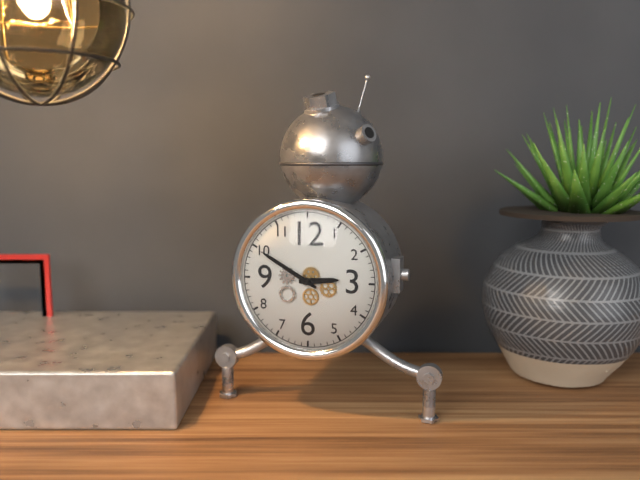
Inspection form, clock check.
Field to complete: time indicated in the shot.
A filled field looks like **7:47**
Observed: **2:50**
